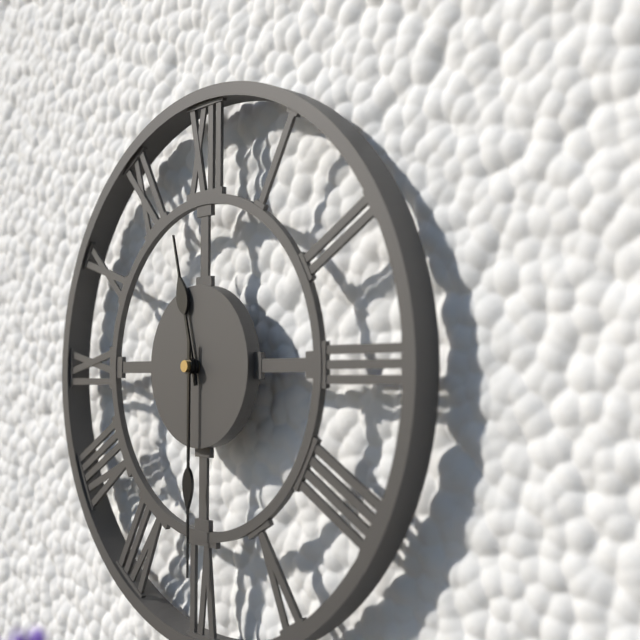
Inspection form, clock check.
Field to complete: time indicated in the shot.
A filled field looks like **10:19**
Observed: **11:30**
